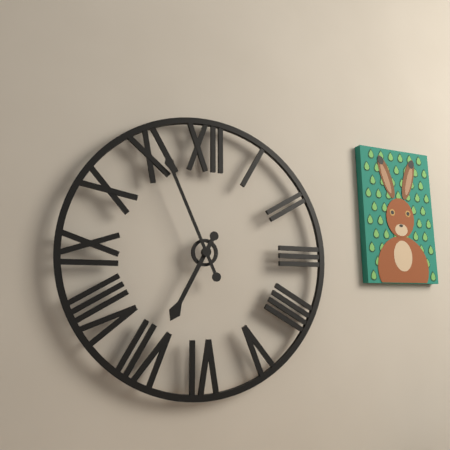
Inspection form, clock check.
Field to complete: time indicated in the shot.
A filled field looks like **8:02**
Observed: **6:56**
